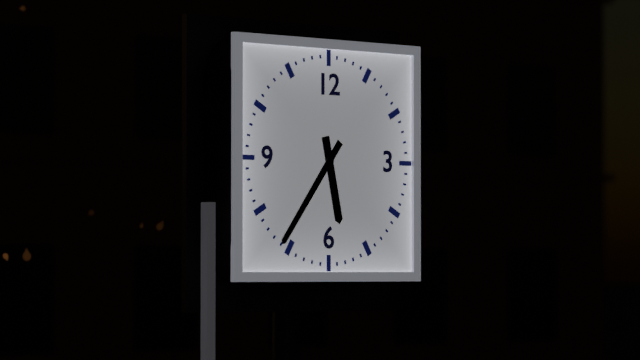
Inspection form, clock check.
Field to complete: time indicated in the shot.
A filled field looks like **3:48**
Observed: **5:36**
